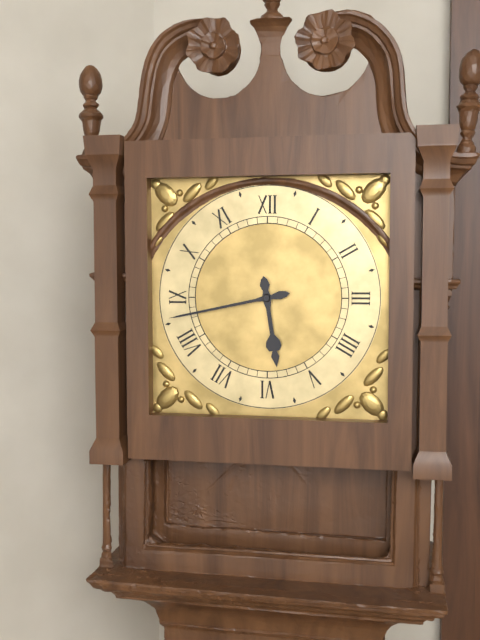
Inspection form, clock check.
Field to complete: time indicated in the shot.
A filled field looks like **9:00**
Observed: **5:43**
